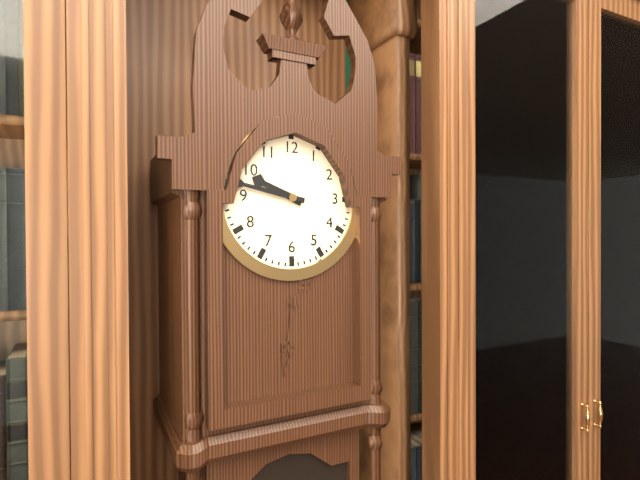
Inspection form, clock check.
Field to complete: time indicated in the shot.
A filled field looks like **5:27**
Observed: **9:47**
